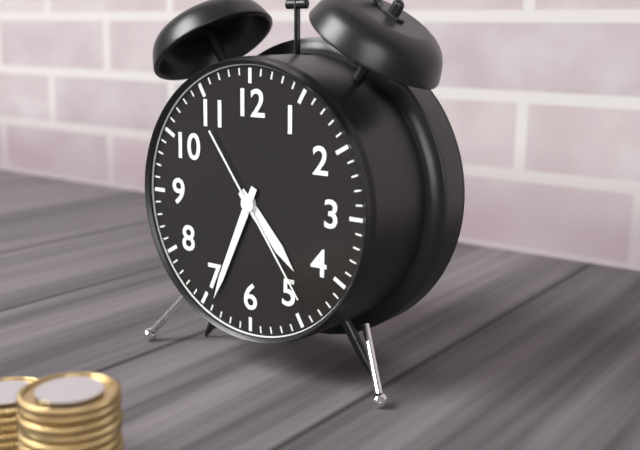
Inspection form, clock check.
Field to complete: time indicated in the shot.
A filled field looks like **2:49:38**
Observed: **4:34:24**
